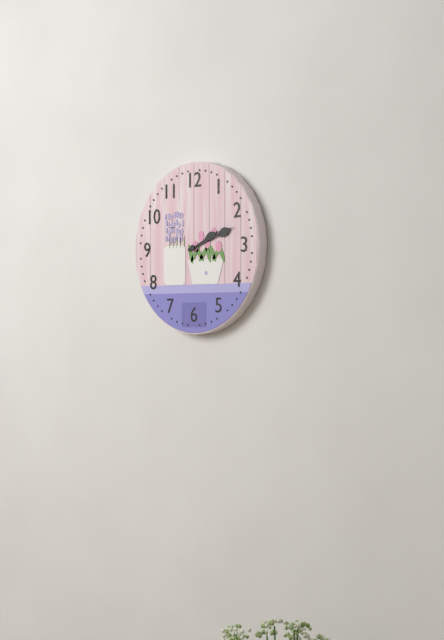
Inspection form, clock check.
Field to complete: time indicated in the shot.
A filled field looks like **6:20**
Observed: **2:12**
